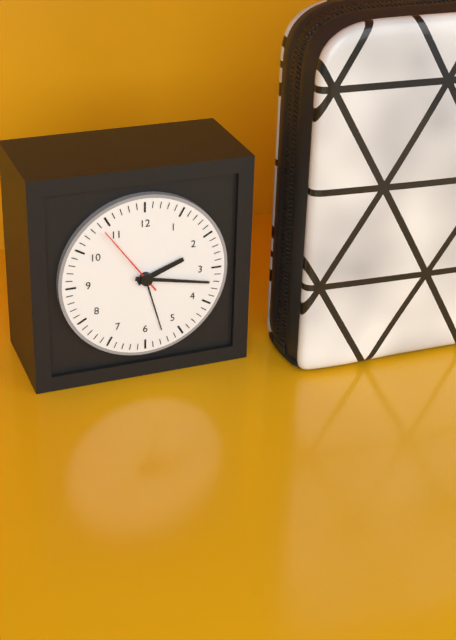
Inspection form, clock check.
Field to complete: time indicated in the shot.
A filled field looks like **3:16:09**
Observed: **2:17:54**
